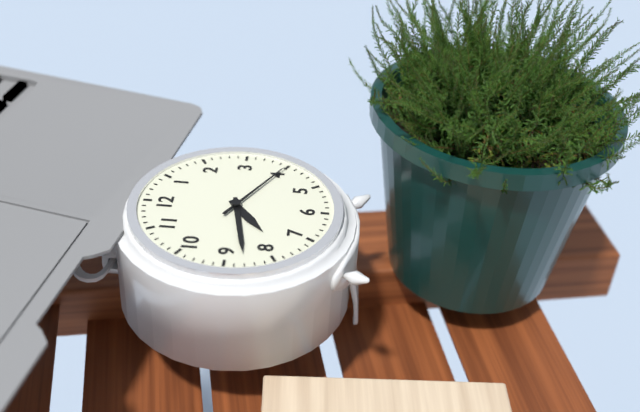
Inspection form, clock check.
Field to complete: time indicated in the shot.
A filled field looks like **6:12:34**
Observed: **7:43:20**
